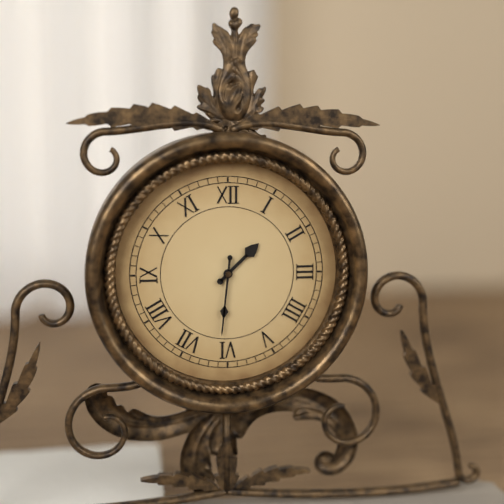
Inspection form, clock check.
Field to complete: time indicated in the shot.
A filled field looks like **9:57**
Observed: **1:31**
